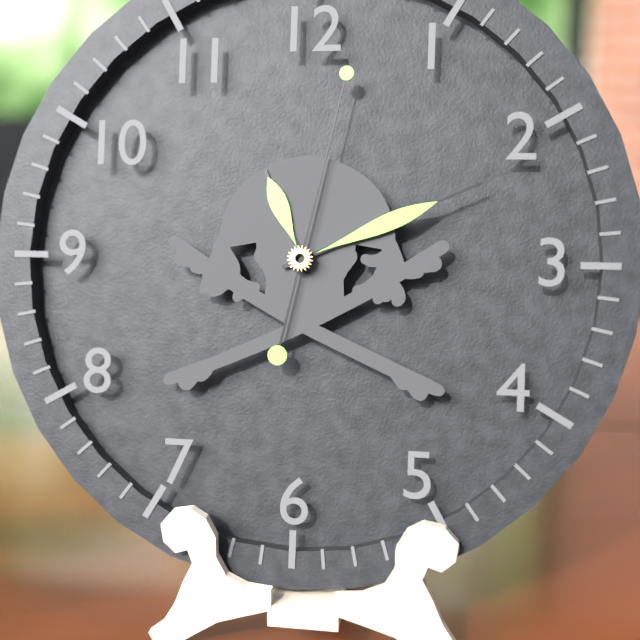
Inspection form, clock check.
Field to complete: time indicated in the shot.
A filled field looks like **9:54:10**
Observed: **11:11:02**
